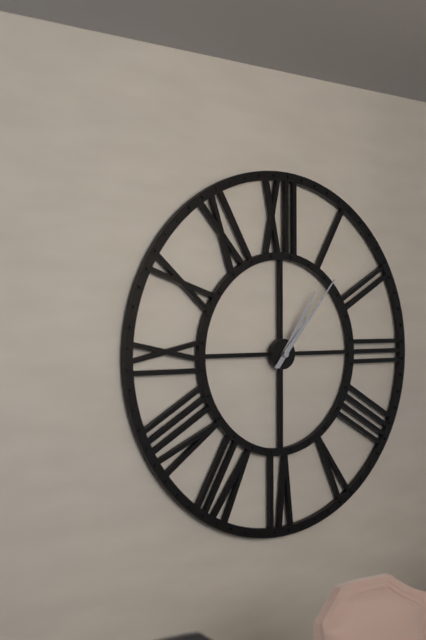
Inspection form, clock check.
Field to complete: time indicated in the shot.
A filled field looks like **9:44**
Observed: **1:07**
